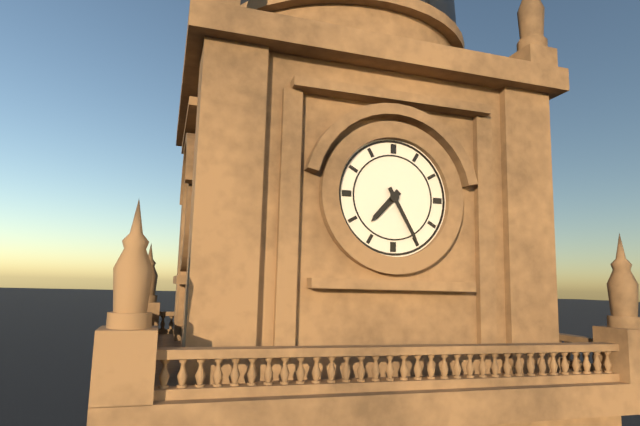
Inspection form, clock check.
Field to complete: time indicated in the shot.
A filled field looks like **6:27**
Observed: **7:25**
